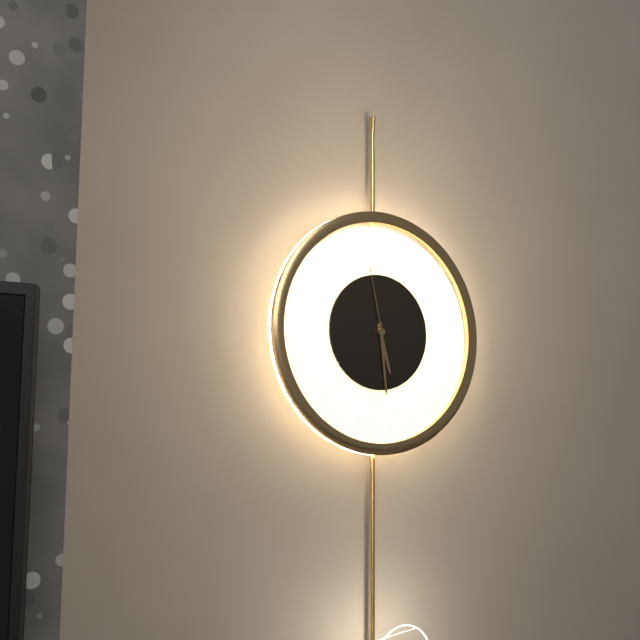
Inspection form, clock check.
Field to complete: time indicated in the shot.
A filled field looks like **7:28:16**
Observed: **5:29:58**
